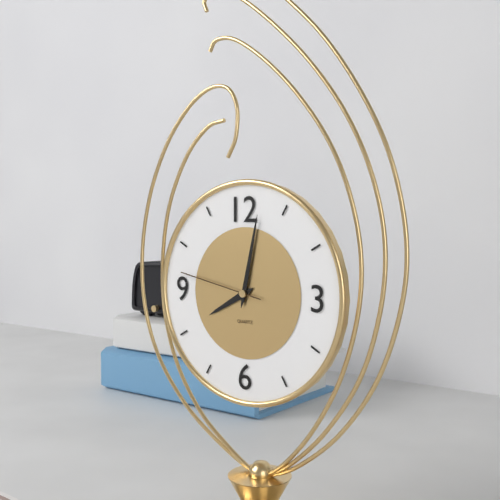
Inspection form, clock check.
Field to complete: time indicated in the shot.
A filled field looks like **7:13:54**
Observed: **8:02:47**
